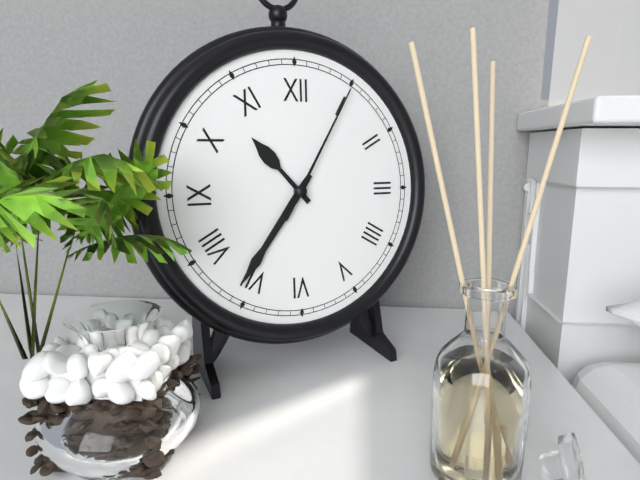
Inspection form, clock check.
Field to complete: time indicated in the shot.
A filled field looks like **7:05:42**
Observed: **10:36:05**
